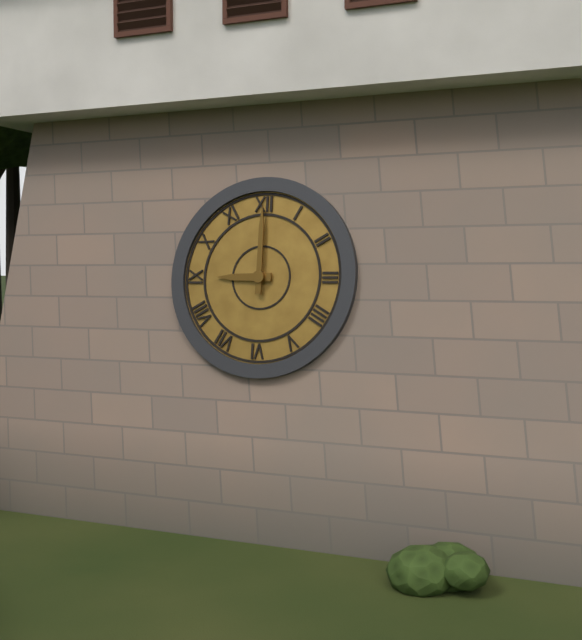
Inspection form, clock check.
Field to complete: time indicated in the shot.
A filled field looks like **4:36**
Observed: **9:00**
